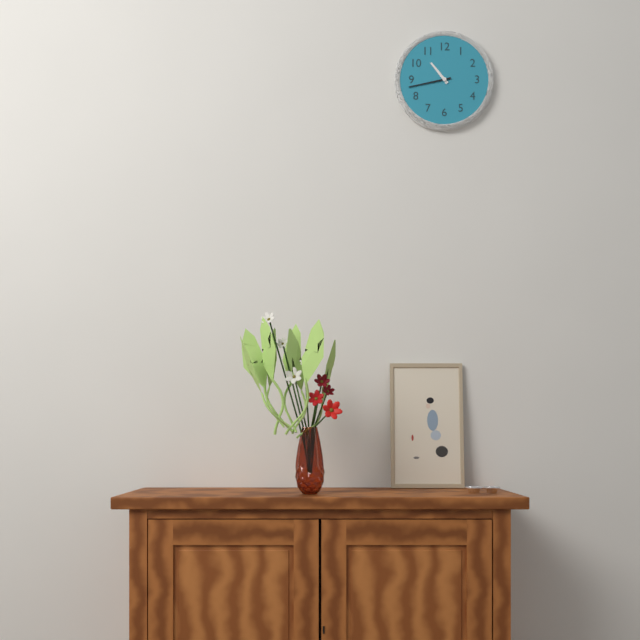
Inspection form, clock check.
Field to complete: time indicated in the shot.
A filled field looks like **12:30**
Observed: **10:43**
